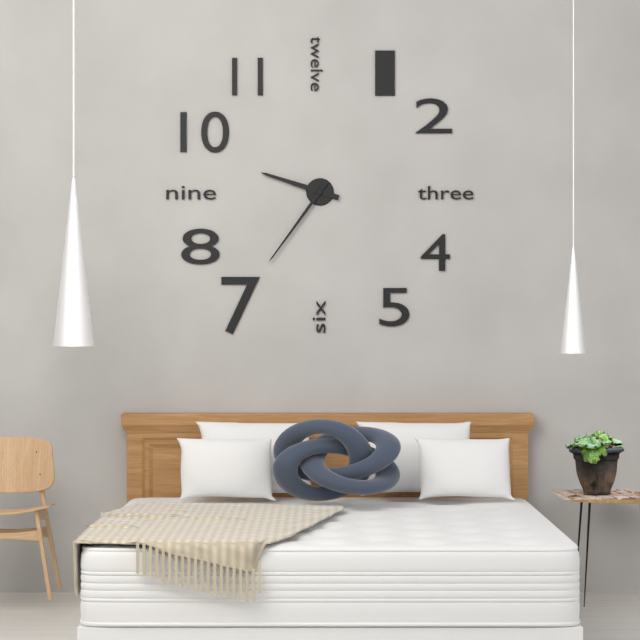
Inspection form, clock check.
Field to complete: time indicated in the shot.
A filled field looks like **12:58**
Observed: **9:36**
